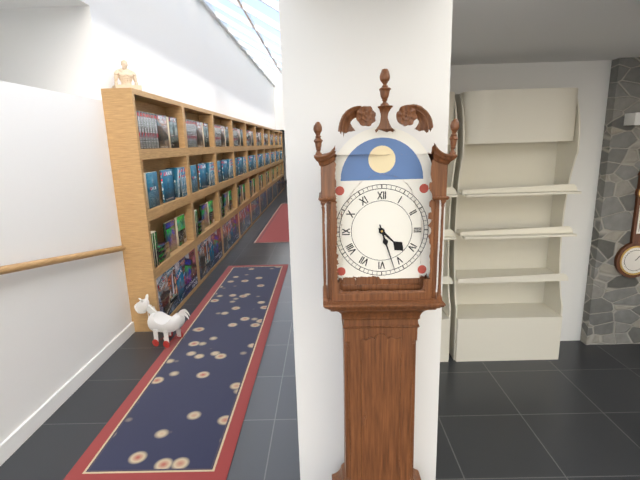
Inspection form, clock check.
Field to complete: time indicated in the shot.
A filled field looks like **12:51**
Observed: **4:27**
